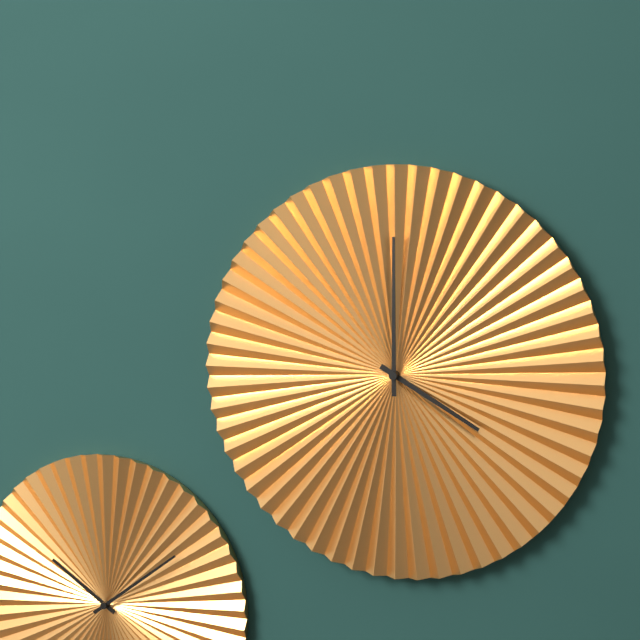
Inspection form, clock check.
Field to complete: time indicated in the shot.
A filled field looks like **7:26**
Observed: **4:00**
